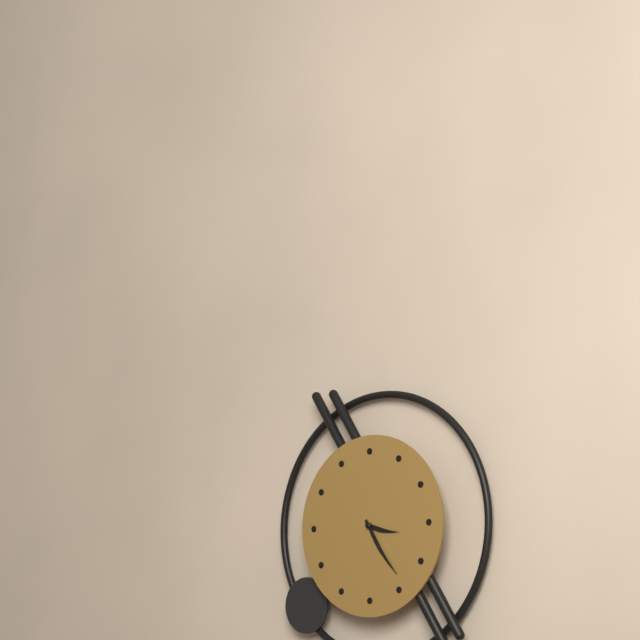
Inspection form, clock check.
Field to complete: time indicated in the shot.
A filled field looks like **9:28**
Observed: **3:24**
